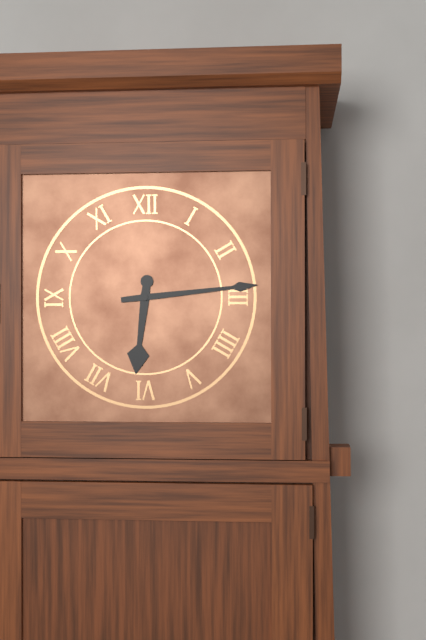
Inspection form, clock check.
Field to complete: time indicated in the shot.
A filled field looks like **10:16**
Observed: **6:14**
